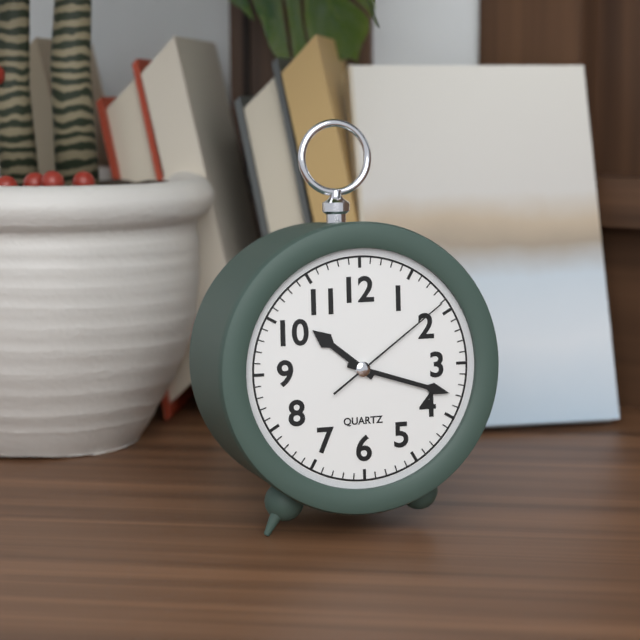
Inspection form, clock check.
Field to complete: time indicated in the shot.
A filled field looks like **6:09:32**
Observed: **10:18:09**
